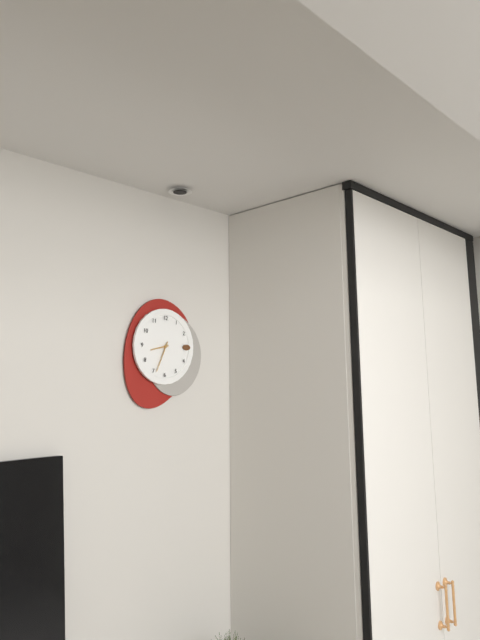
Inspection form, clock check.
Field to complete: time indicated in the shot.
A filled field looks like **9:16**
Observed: **8:34**
